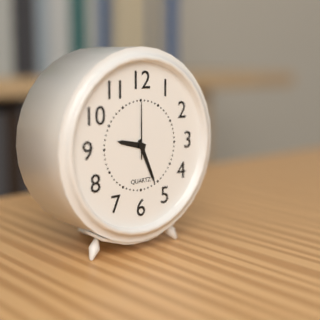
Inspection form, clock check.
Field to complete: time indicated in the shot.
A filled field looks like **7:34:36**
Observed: **9:26:00**
